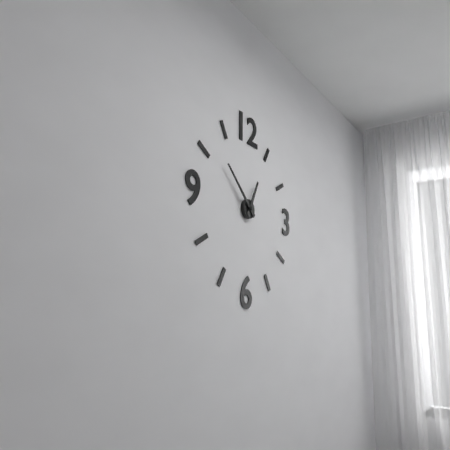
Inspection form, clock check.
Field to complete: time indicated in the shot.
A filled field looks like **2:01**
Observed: **12:52**
